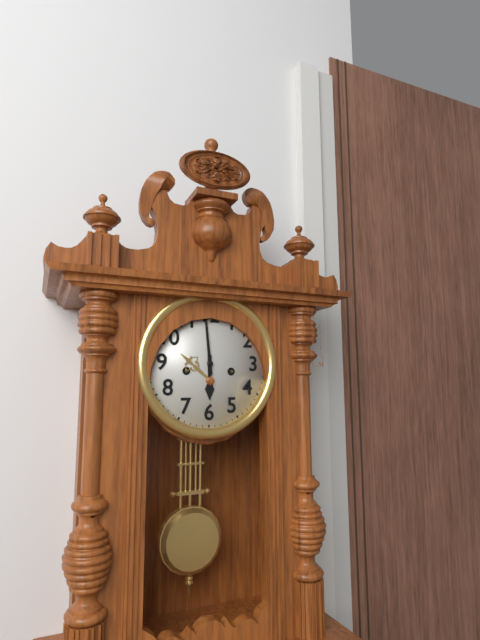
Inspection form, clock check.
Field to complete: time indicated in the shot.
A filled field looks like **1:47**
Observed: **5:59**
